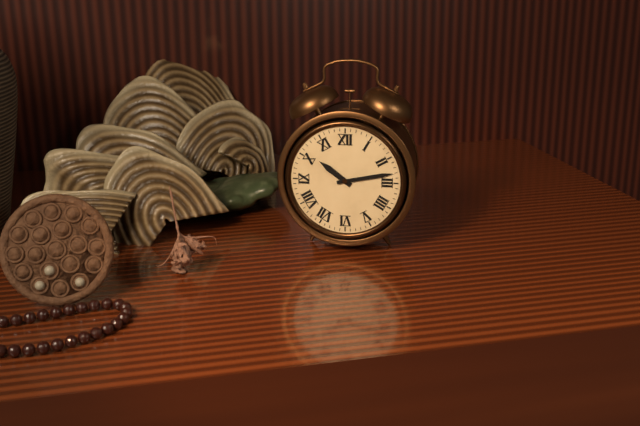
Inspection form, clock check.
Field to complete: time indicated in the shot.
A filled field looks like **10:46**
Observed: **10:13**
